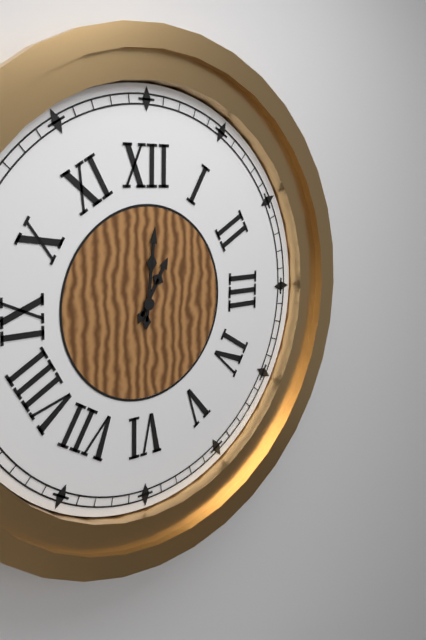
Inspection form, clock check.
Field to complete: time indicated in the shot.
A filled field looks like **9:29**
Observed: **1:01**
